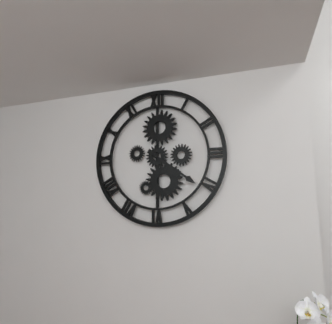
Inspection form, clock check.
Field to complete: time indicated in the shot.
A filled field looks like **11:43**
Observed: **4:21**
